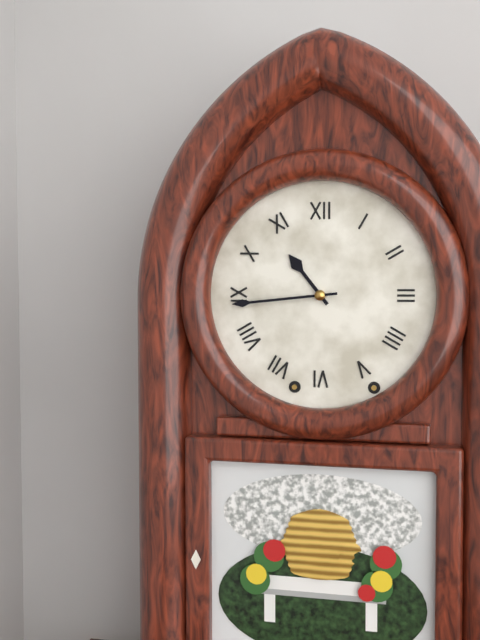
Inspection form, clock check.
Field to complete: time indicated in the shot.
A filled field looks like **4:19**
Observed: **10:44**
